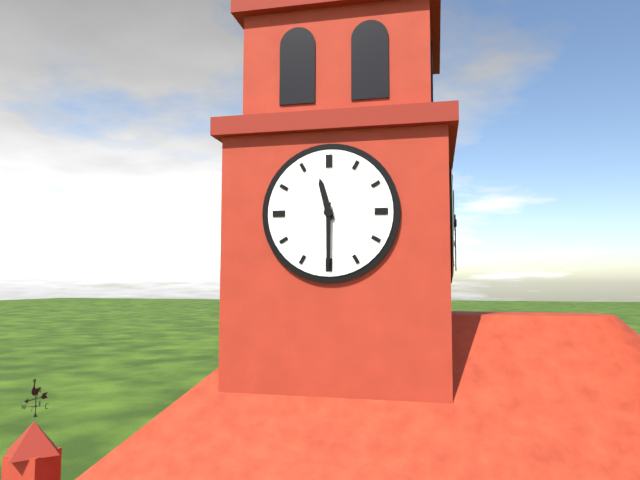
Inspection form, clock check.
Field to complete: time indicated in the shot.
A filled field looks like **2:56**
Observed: **11:30**
